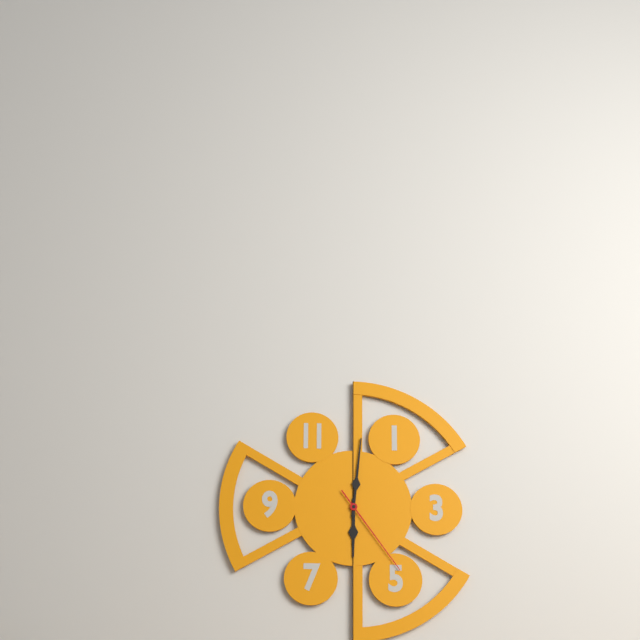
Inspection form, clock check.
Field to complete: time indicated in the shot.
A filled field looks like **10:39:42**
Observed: **6:01:24**
